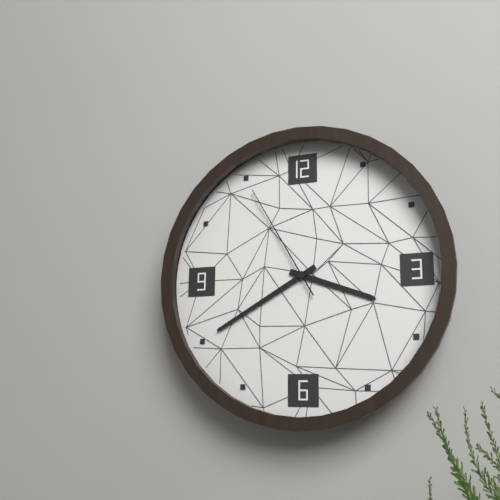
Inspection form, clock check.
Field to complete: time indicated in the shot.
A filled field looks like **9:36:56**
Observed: **3:40:55**
